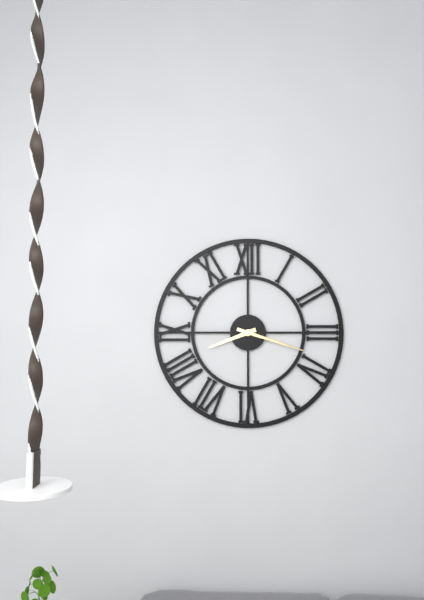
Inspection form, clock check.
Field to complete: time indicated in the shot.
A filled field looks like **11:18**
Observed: **8:18**
